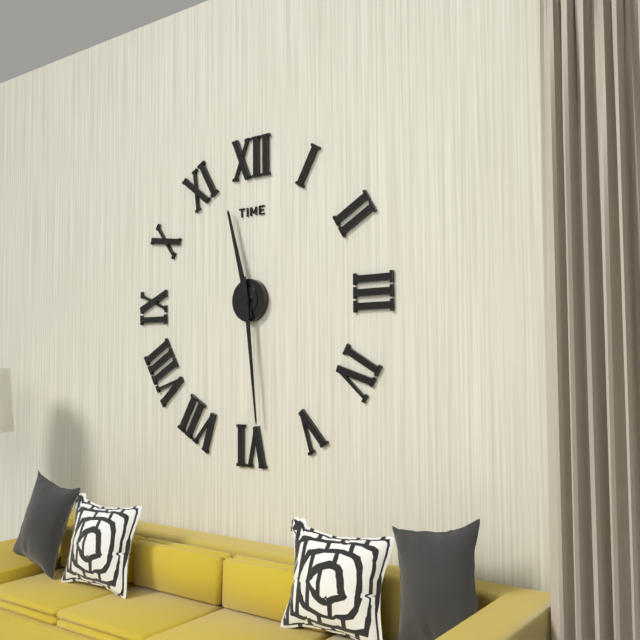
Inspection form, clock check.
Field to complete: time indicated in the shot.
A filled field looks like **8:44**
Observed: **11:29**
